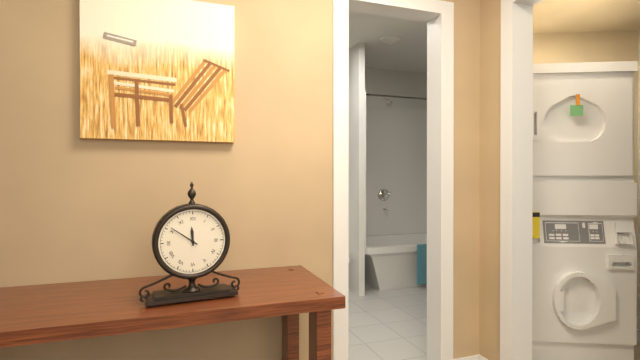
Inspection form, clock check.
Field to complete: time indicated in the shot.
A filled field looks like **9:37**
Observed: **11:51**
